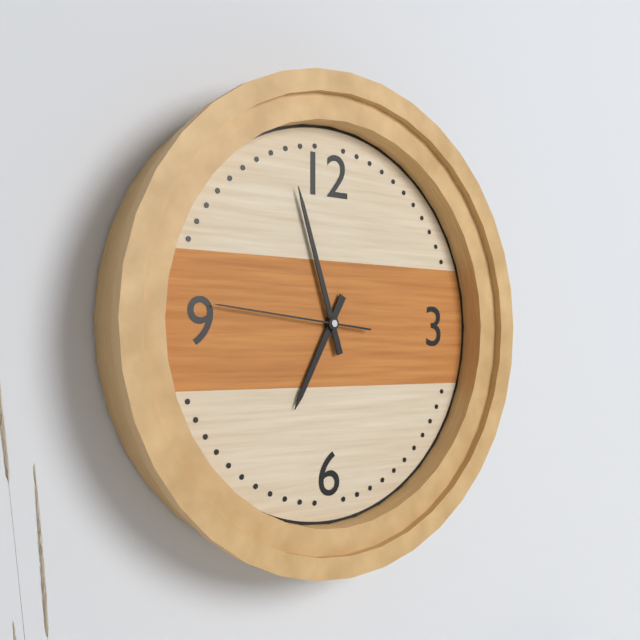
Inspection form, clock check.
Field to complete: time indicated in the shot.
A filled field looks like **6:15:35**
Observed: **6:57:46**
